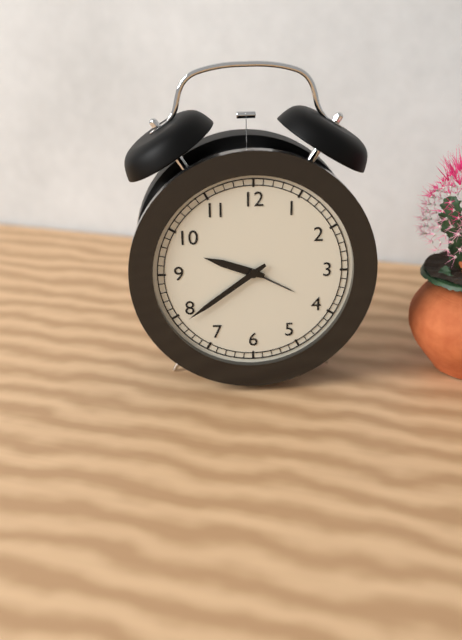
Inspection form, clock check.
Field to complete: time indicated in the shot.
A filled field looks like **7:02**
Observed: **9:39**
